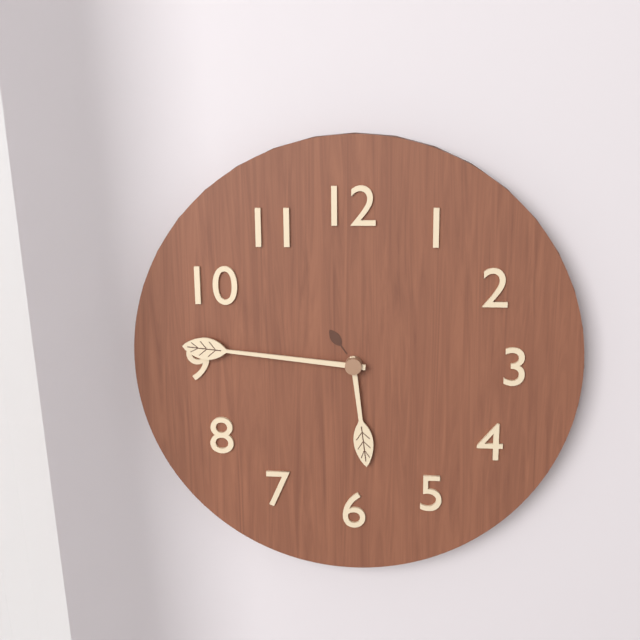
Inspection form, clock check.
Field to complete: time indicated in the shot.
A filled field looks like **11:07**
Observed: **5:46**
